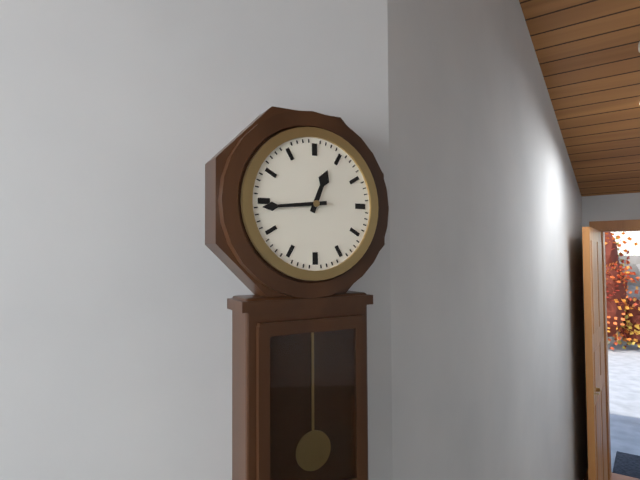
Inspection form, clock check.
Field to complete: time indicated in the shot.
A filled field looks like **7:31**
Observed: **12:44**
